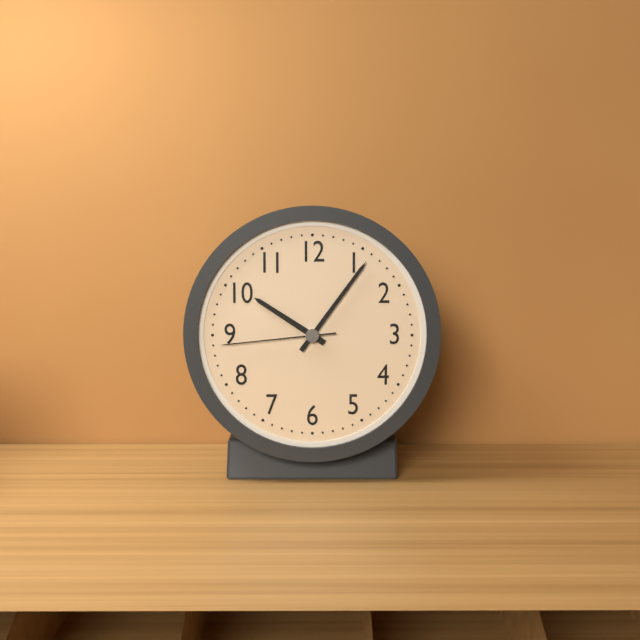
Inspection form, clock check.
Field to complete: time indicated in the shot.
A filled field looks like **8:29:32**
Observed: **10:06:44**
